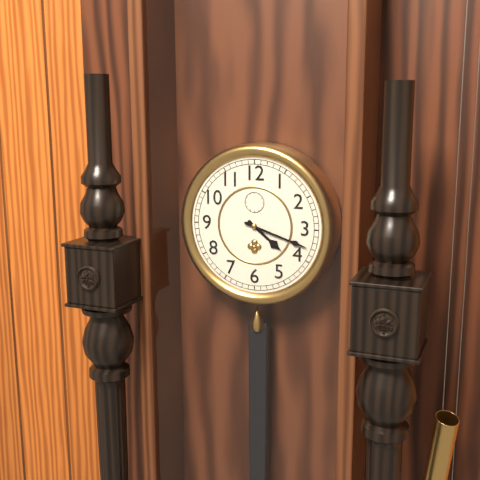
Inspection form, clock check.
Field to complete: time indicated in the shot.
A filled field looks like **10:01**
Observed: **4:18**
